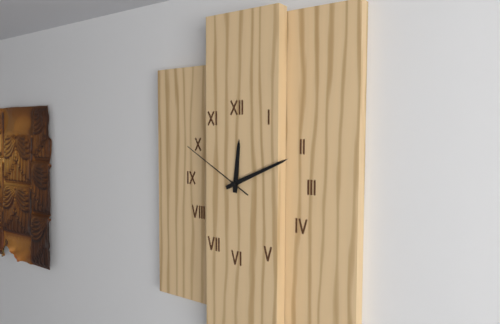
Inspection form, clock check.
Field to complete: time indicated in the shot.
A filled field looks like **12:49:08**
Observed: **12:11:50**
